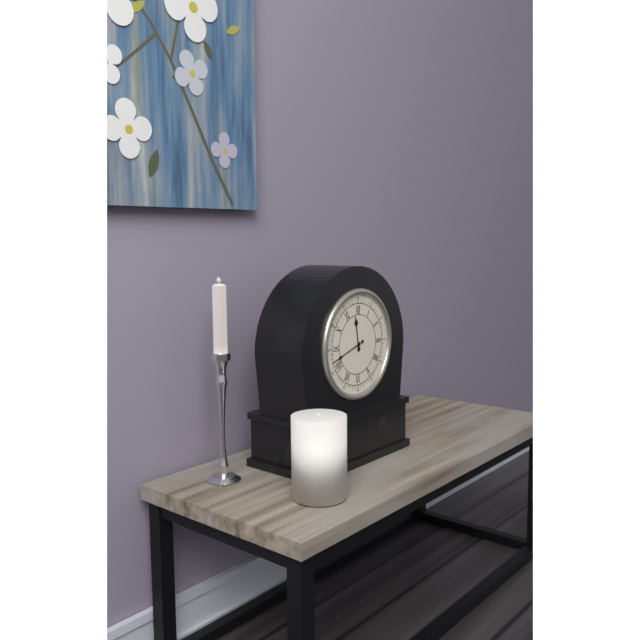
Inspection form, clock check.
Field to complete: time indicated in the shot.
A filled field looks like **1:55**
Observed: **11:42**
